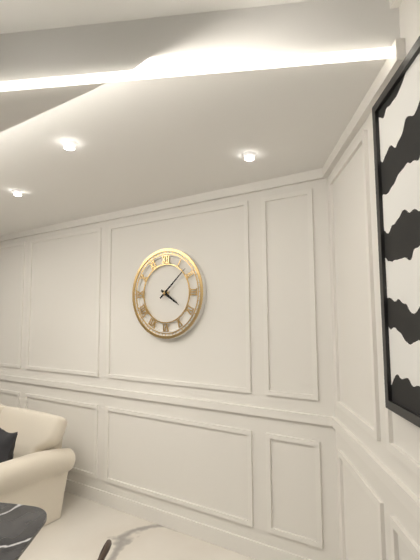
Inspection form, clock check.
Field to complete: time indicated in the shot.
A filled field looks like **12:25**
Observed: **4:08**
